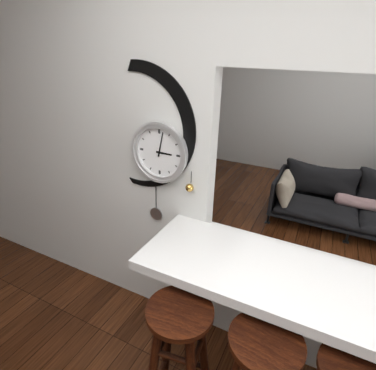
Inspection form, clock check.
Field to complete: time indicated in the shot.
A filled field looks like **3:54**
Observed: **3:02**
